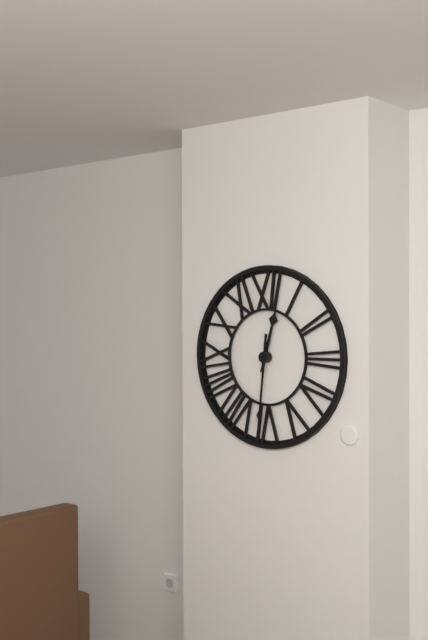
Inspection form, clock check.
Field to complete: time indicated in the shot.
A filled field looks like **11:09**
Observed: **12:31**
